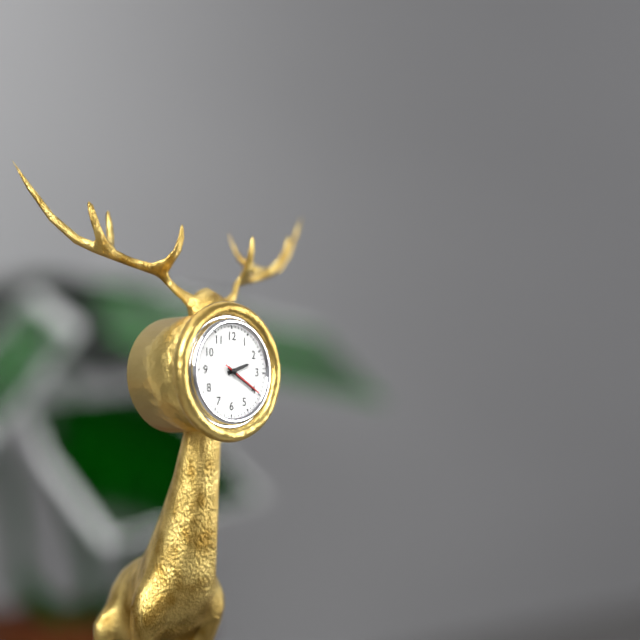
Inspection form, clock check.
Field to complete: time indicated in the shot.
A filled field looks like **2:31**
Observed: **2:20**
